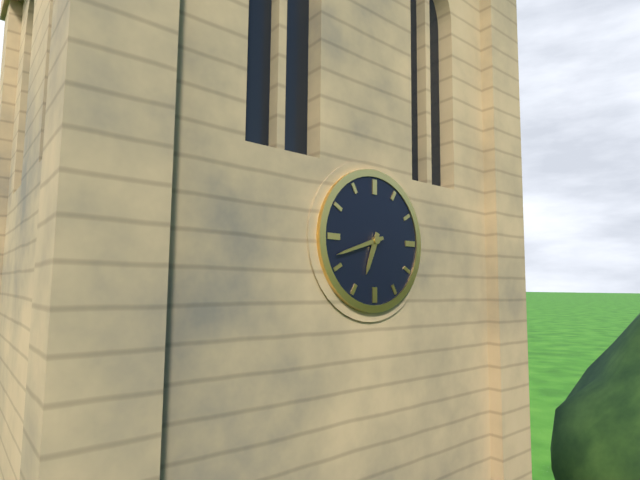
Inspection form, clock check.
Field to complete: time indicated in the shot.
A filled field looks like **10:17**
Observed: **6:42**
